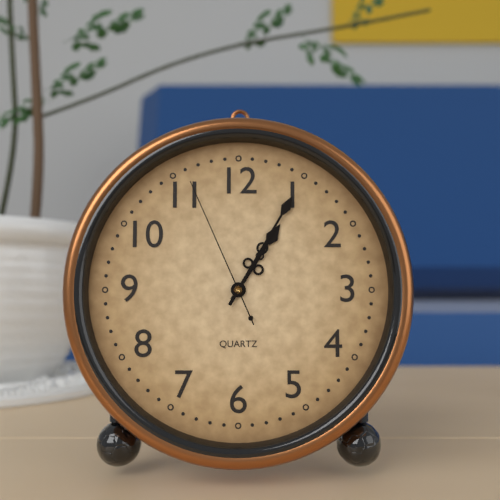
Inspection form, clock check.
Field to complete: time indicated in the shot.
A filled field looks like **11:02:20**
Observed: **1:05:56**
